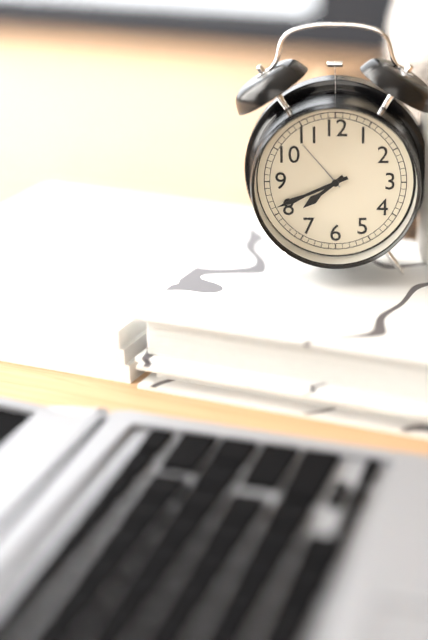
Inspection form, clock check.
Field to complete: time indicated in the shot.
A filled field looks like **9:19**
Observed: **7:41**
